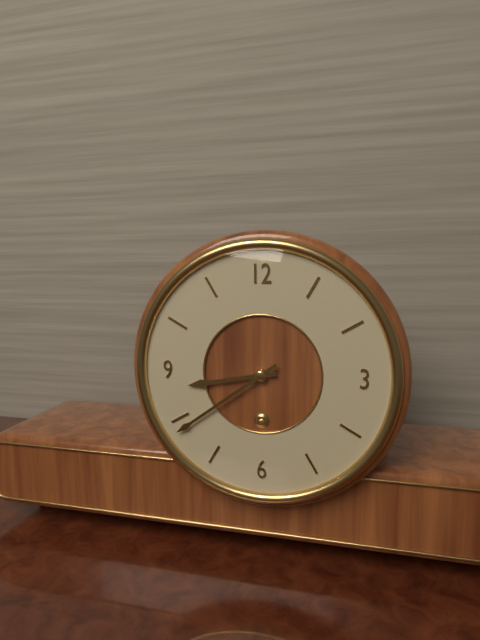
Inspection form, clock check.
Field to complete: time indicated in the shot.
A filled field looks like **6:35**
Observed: **8:39**
